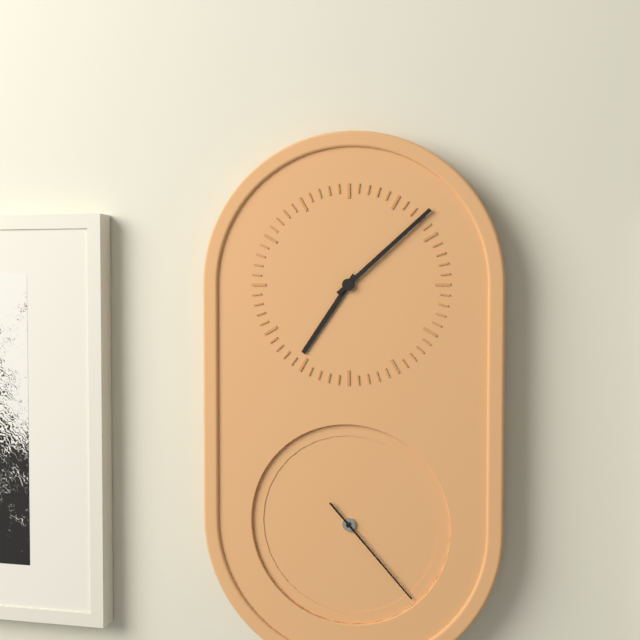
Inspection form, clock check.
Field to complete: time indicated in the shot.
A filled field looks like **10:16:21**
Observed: **7:08:23**
